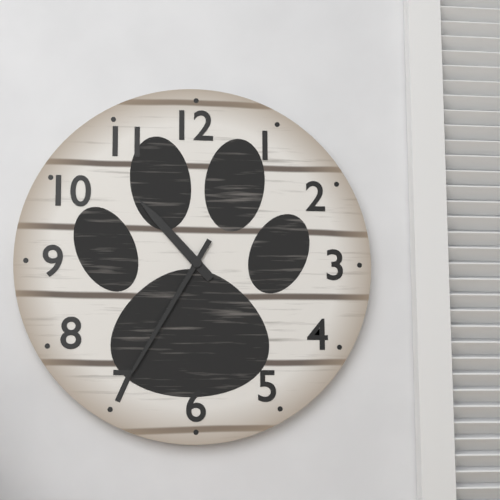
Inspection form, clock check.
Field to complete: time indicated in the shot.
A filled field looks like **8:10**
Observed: **10:35**
